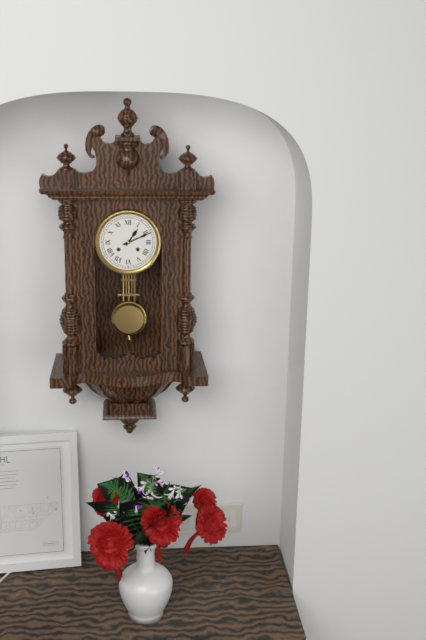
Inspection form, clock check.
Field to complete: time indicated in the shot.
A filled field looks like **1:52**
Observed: **1:11**
